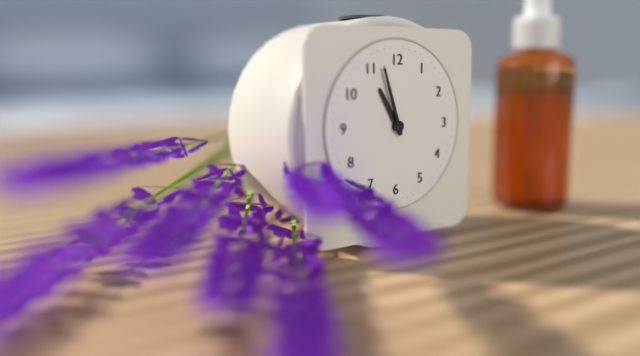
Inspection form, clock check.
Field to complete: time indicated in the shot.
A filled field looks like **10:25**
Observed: **10:57**
